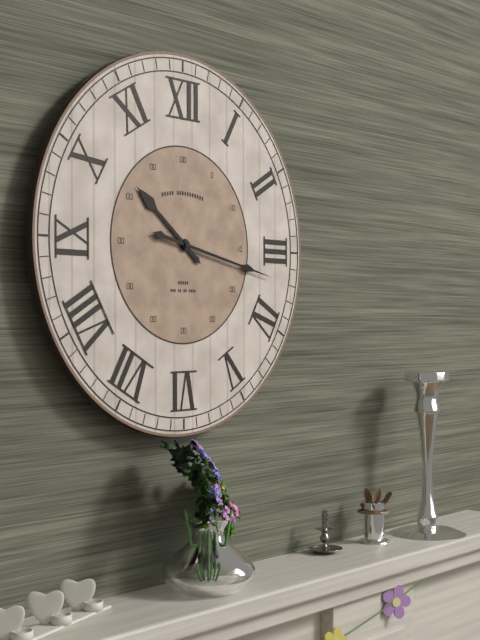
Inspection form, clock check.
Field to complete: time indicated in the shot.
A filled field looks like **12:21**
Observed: **10:17**
